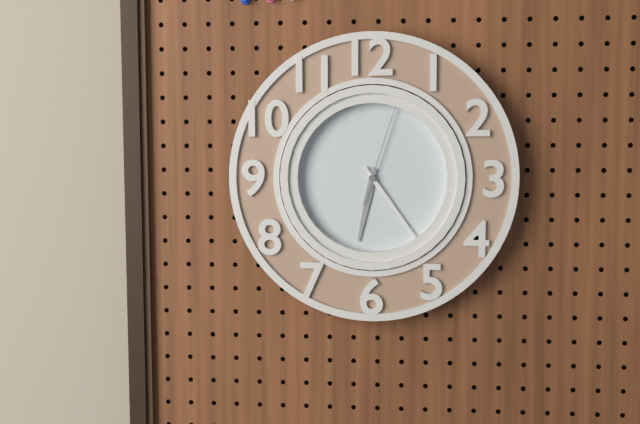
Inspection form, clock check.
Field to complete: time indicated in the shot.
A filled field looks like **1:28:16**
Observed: **6:24:03**
